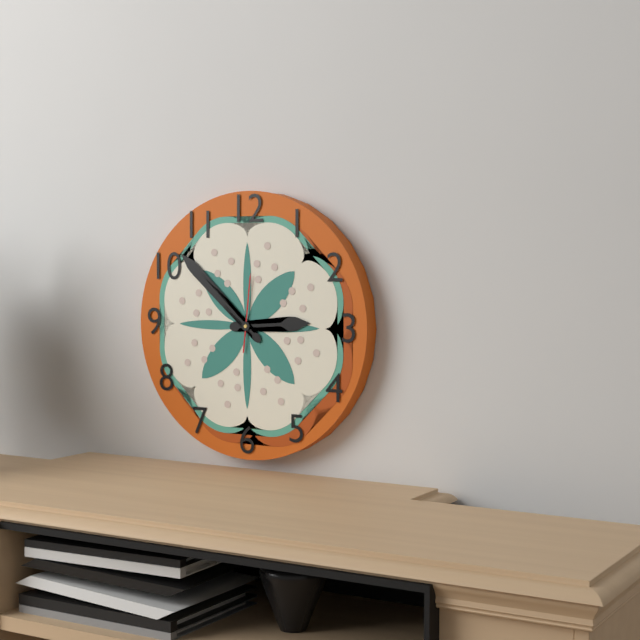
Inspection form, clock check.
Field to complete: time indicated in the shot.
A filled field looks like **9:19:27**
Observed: **2:52:01**
